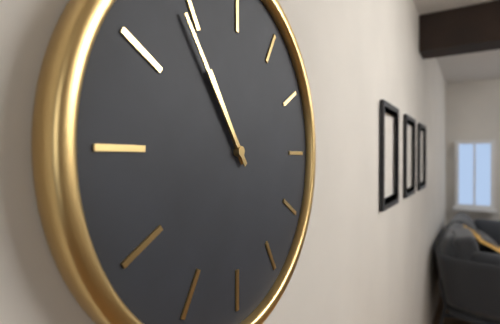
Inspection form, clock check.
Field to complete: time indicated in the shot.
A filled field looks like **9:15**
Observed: **10:54**
